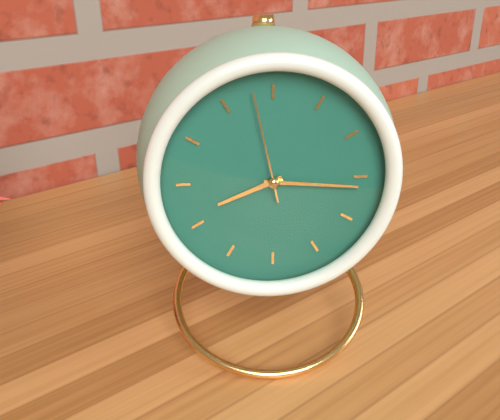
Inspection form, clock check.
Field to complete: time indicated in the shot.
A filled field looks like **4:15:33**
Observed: **8:16:58**
